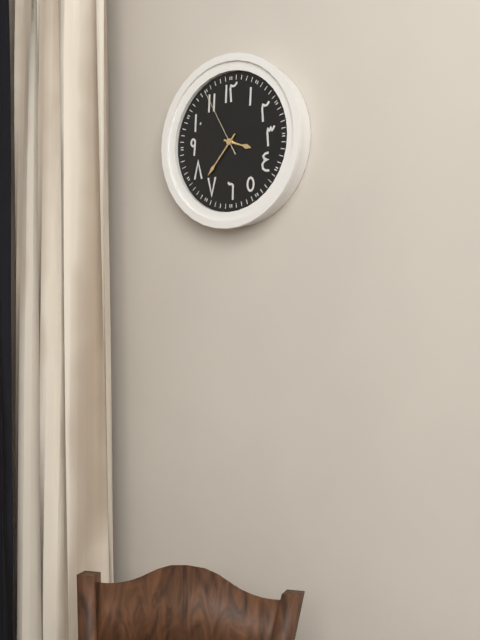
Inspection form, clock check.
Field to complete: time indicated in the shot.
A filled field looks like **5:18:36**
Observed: **3:37:55**
